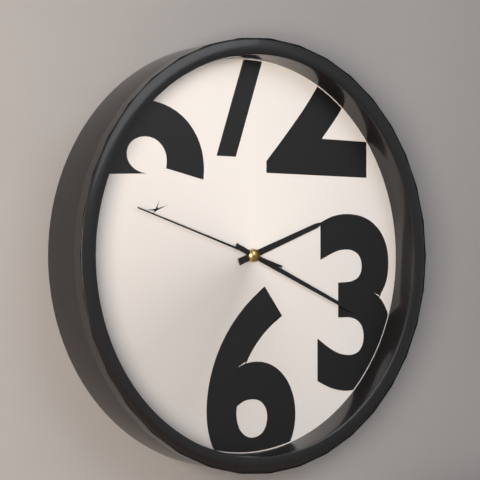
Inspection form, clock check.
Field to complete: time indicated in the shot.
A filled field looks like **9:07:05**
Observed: **2:19:48**
